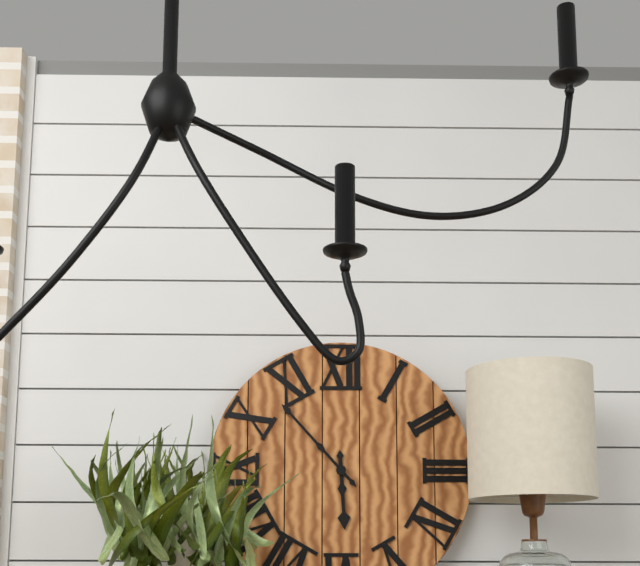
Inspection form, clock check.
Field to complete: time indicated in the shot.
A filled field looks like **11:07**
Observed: **5:53**
